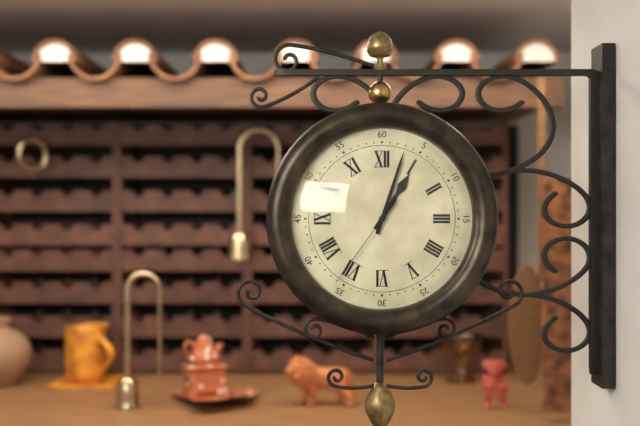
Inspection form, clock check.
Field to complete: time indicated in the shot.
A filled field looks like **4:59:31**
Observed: **1:03:36**
